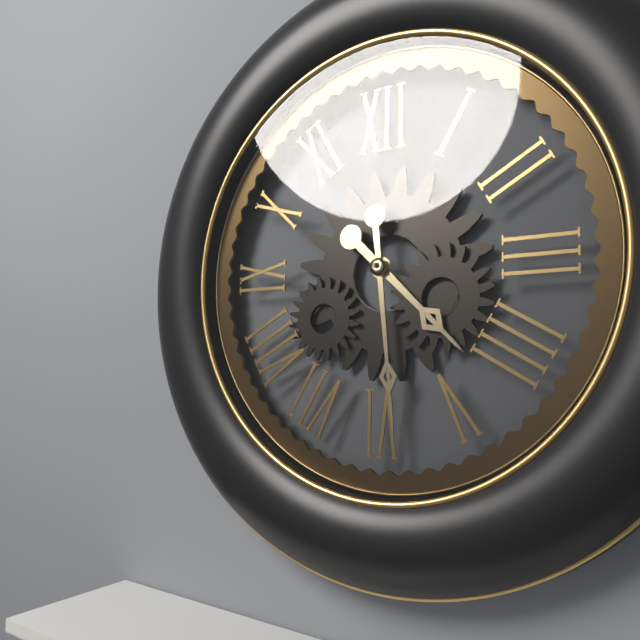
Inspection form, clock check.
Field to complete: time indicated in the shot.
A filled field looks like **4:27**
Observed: **4:29**
